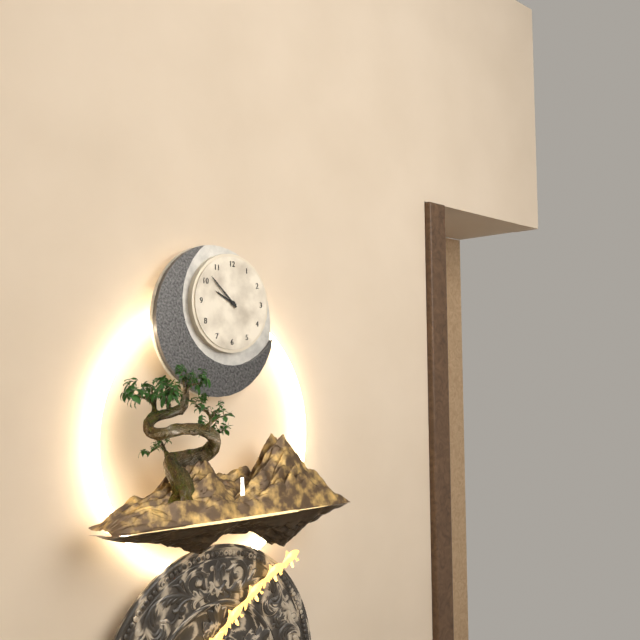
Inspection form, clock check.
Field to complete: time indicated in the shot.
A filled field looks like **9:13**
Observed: **9:52**
